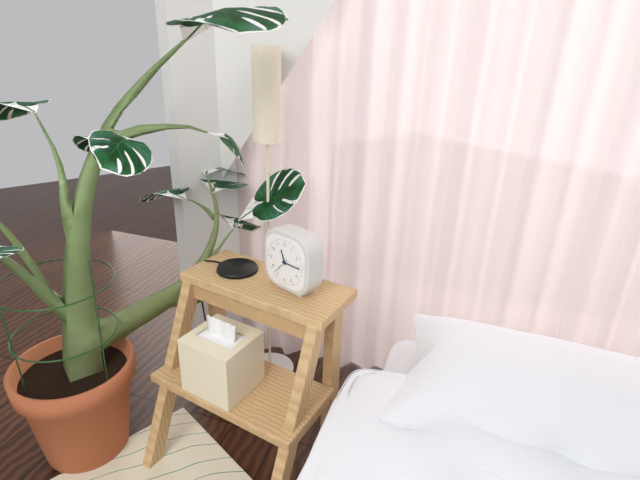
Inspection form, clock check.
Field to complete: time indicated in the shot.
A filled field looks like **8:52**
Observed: **11:15**
